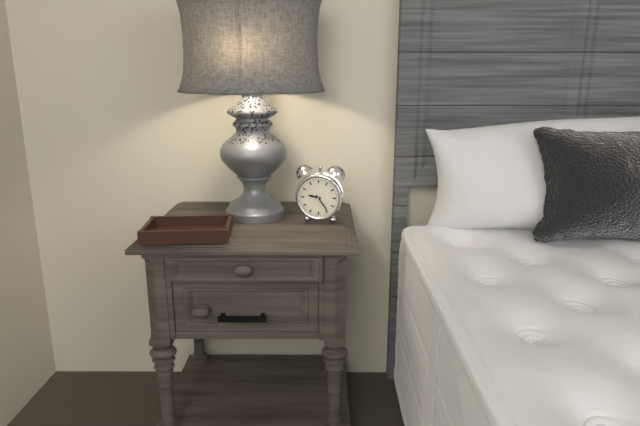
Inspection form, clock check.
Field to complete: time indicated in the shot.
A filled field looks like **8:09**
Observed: **9:24**
